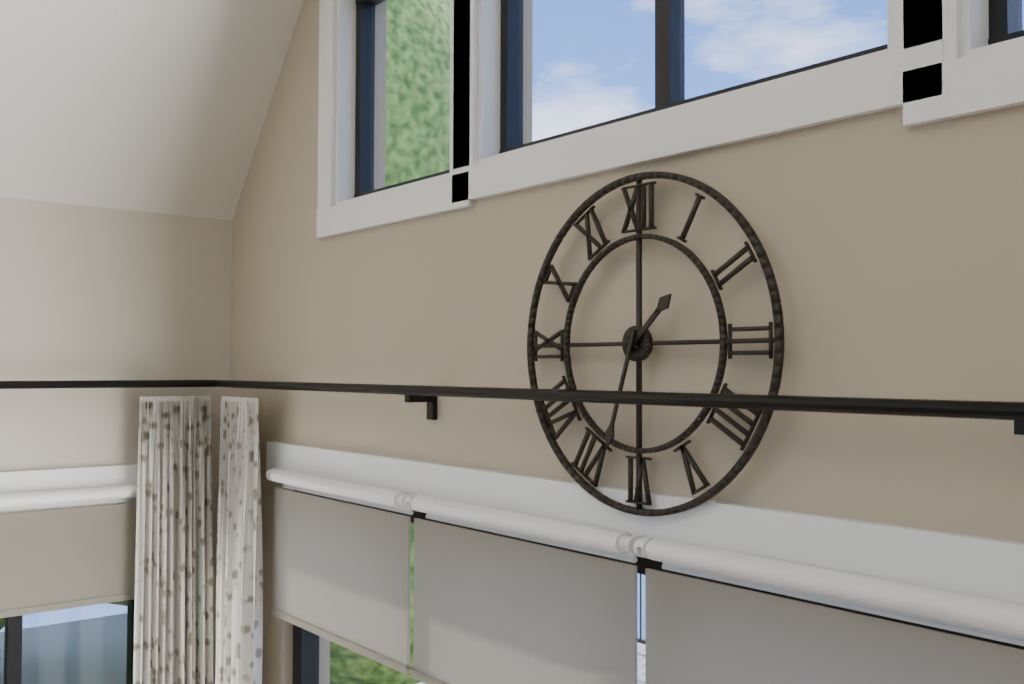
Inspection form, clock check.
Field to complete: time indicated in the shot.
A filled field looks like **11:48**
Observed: **1:33**
